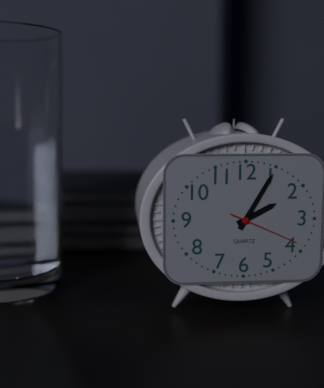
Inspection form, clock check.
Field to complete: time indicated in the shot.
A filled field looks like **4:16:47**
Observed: **2:05:19**
